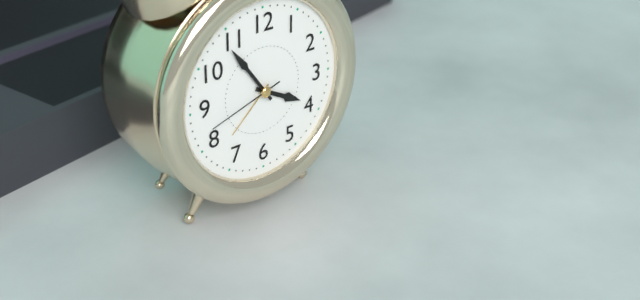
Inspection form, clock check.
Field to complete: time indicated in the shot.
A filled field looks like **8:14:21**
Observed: **3:54:42**
